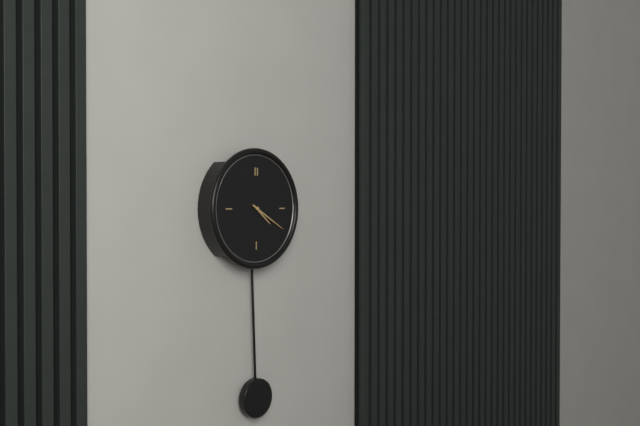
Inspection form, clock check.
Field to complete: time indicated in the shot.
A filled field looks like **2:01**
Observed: **4:20**
